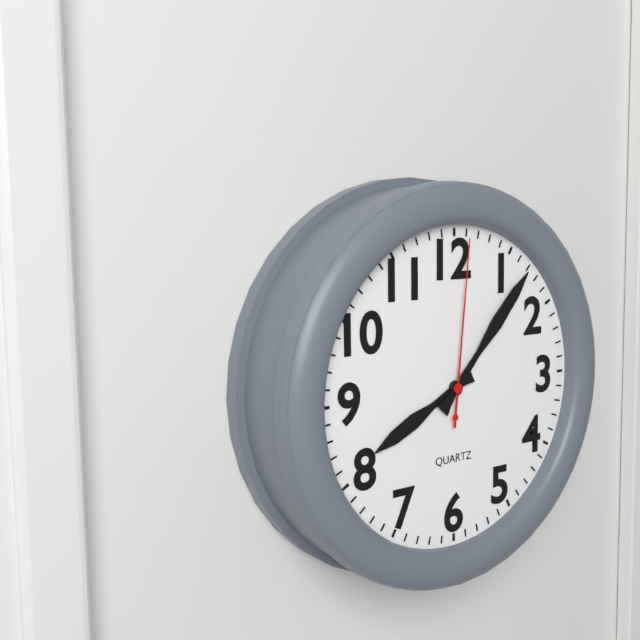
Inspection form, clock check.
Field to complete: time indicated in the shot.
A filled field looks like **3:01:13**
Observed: **8:07:01**
